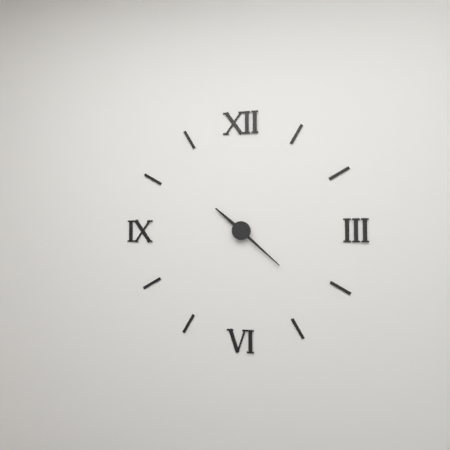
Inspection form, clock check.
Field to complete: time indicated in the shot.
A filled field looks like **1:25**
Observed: **10:22**
